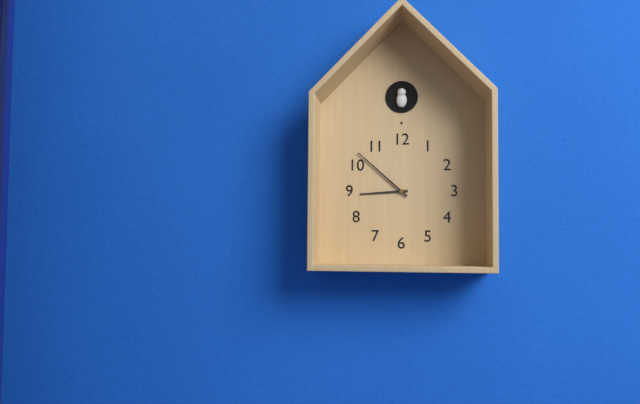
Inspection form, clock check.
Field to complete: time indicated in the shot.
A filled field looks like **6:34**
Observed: **8:52**
